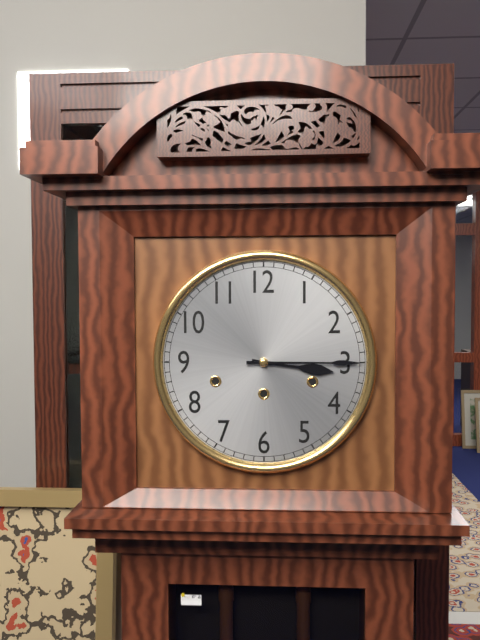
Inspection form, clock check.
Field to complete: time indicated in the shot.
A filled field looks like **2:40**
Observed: **3:15**
